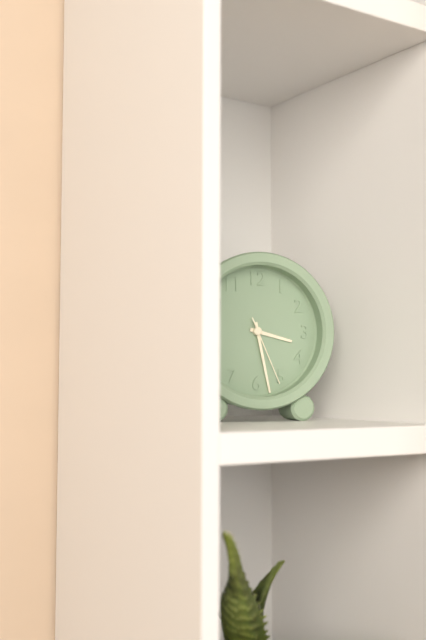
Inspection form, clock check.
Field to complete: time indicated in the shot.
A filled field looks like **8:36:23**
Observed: **3:28:26**
